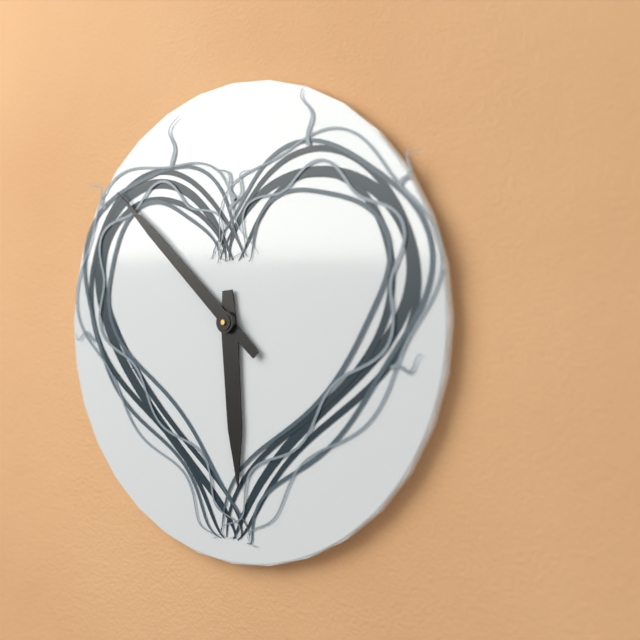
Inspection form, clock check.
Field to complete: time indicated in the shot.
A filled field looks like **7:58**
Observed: **5:52**
